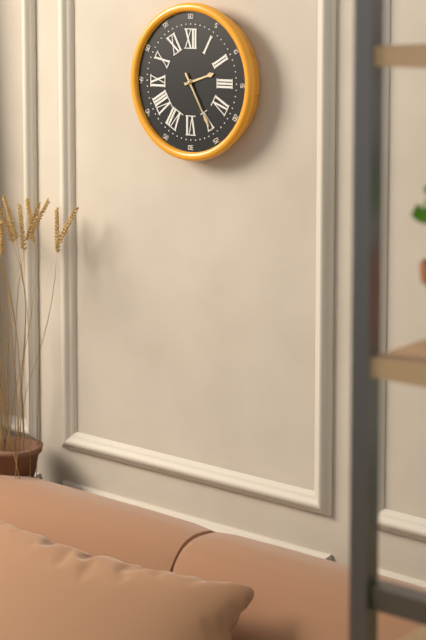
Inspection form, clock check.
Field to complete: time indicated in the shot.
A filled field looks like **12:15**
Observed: **2:25**
